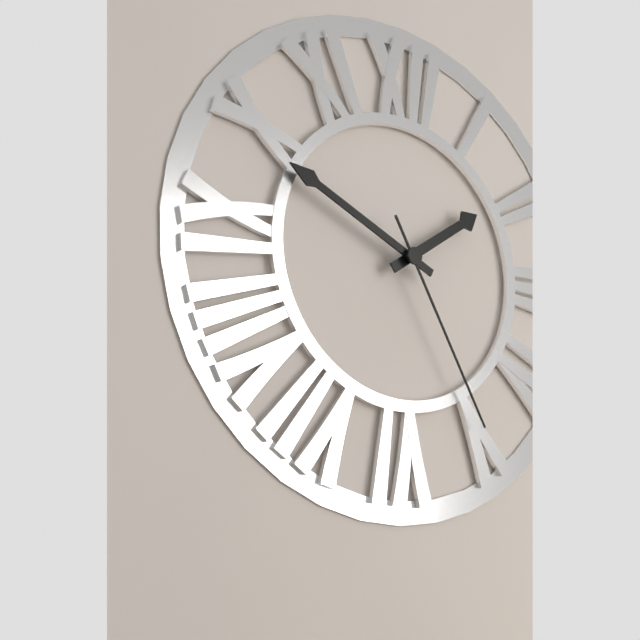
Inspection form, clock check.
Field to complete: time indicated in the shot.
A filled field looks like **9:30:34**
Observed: **1:49:25**
